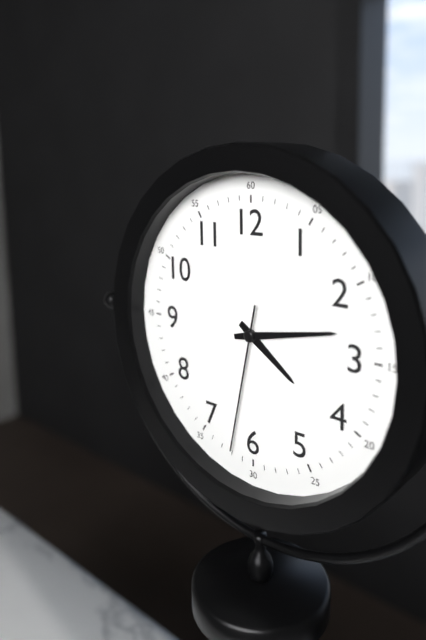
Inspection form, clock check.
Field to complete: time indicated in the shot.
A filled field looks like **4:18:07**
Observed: **4:13:32**
